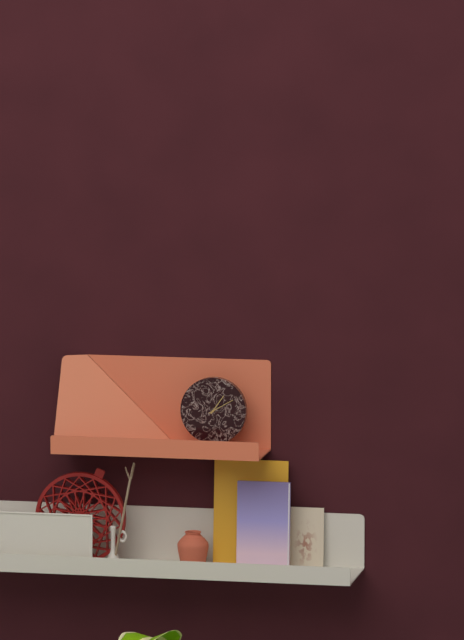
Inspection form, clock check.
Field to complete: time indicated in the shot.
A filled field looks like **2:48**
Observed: **1:10**
